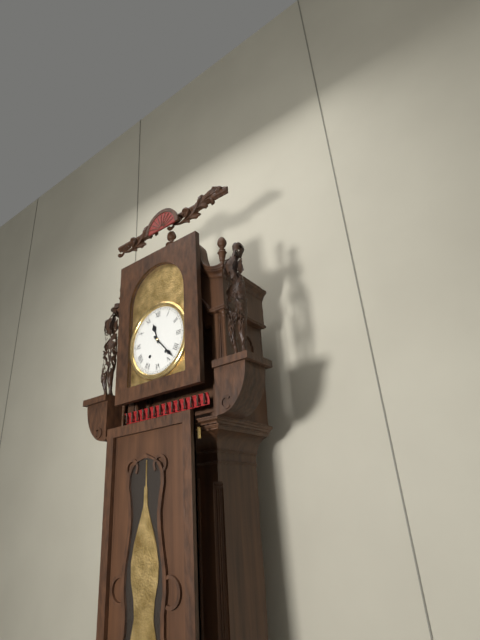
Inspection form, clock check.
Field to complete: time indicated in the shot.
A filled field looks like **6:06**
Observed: **11:23**
